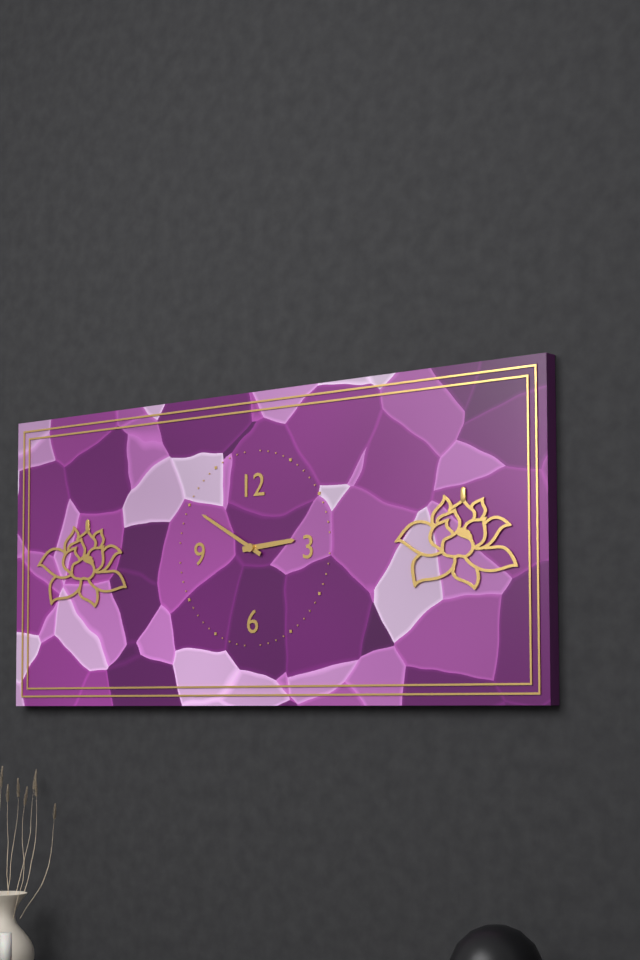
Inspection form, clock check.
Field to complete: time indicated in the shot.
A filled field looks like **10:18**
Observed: **2:50**
